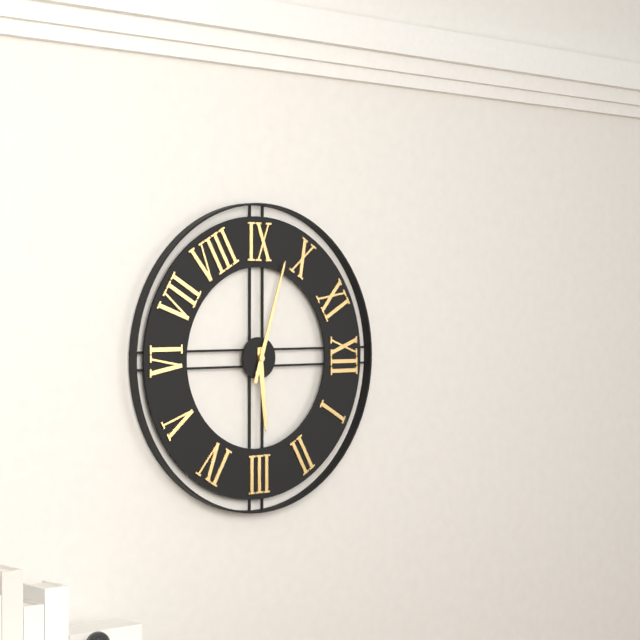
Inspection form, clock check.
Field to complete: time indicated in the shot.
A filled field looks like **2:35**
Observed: **2:48**
